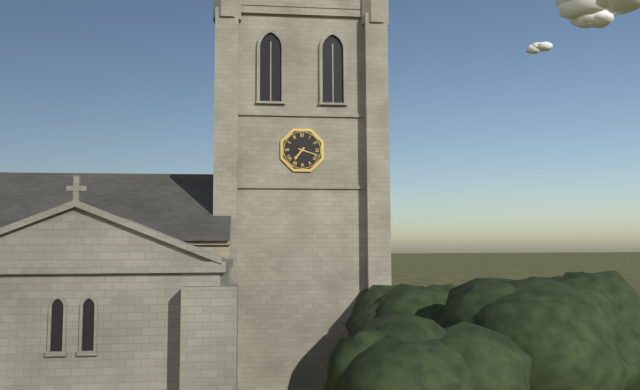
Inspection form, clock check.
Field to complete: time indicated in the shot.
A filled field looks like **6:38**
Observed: **7:18**
